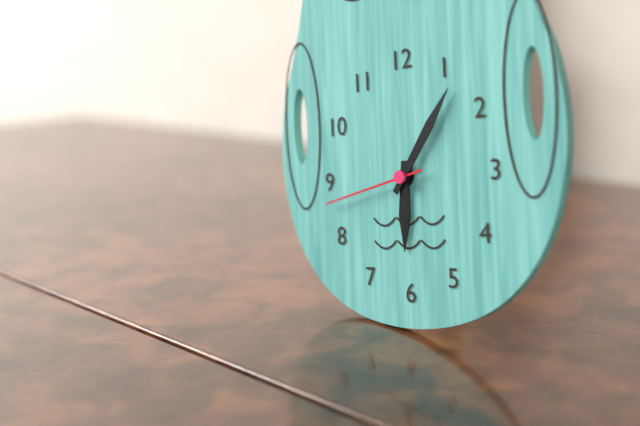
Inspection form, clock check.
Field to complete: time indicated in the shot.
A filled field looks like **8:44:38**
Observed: **6:06:43**
